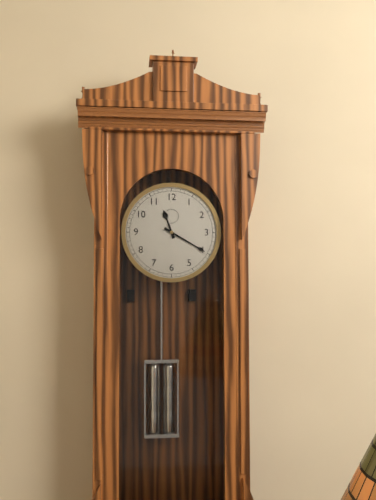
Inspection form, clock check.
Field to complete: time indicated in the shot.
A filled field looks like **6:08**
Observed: **11:20**
